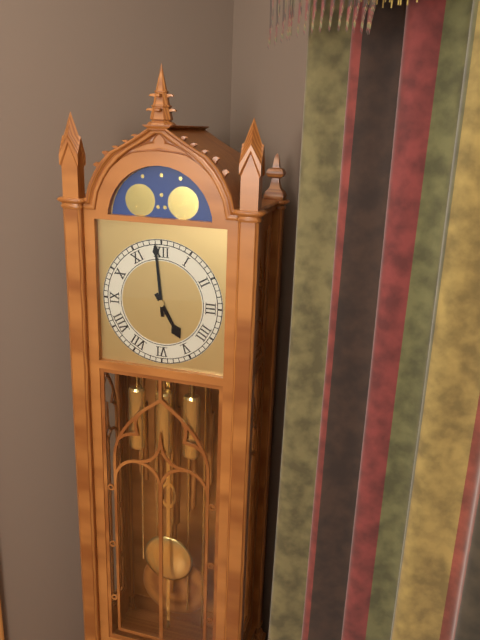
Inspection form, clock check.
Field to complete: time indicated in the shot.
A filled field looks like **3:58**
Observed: **4:59**
